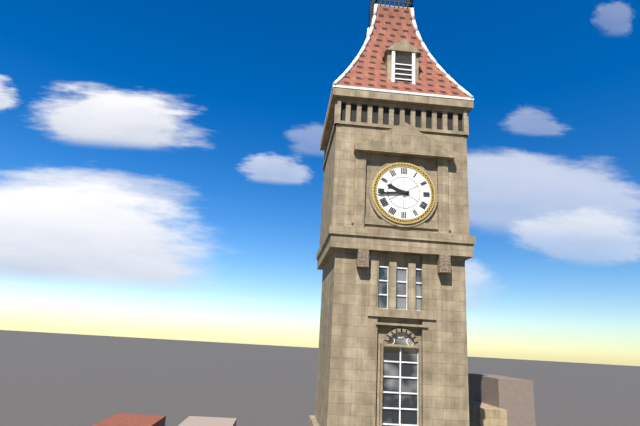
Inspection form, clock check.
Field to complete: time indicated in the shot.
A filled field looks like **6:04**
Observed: **9:44**
